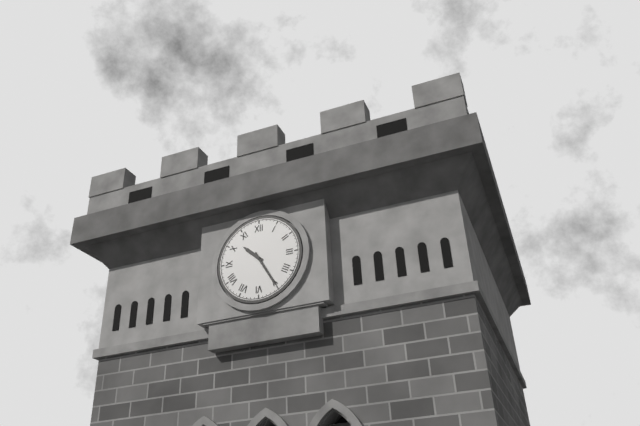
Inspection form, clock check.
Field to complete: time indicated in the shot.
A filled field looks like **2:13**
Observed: **10:25**
